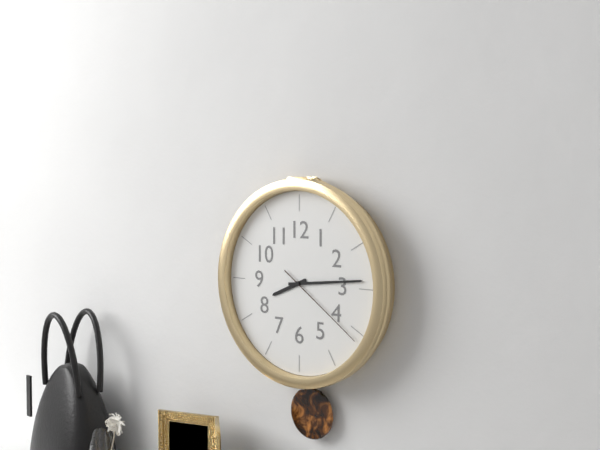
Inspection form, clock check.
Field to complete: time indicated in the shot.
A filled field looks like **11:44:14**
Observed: **8:14:21**
